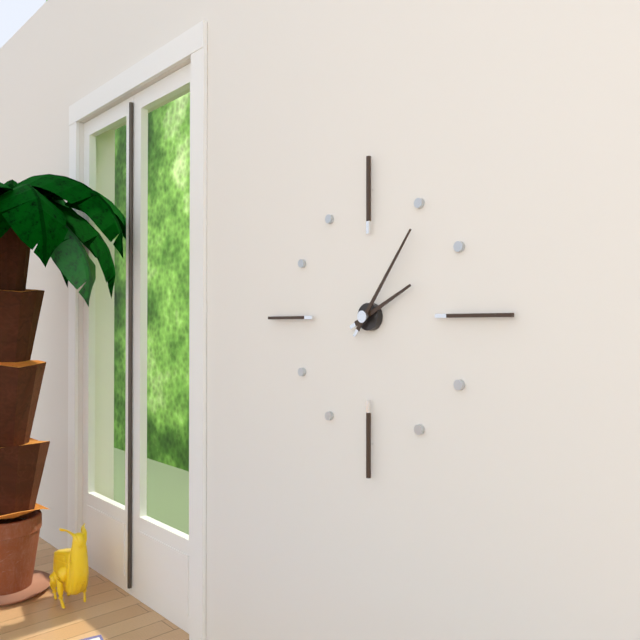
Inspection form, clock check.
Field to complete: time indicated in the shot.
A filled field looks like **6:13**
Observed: **2:06**
